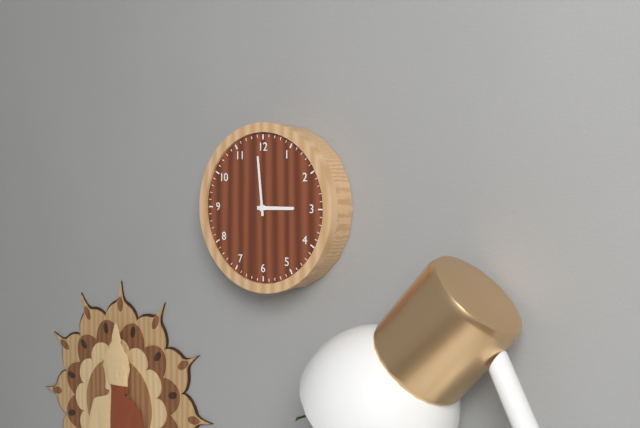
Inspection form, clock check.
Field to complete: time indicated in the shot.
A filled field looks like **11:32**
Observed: **2:59**
